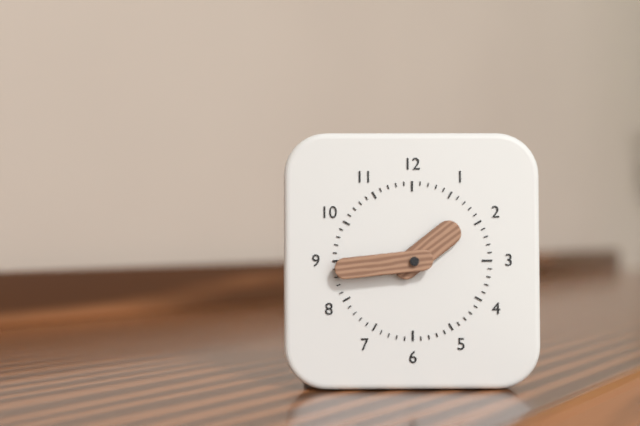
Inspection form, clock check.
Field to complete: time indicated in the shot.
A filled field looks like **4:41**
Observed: **1:44**
